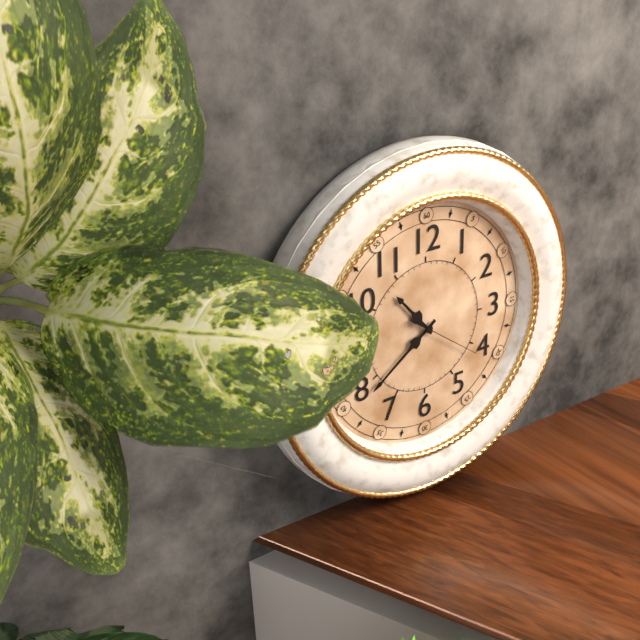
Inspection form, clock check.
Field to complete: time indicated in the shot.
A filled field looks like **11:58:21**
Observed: **10:39:21**
